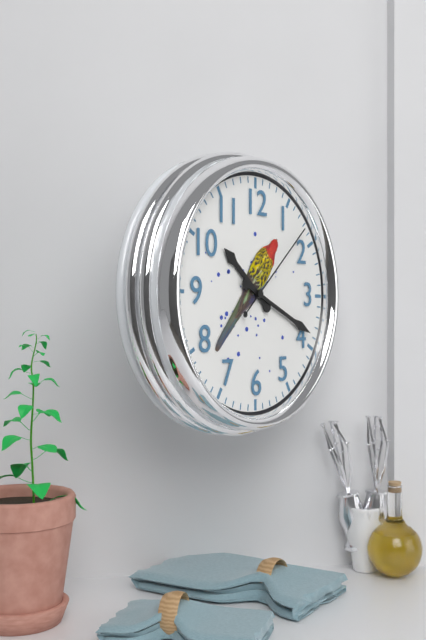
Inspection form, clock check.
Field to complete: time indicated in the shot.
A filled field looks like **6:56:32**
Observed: **10:19:08**
